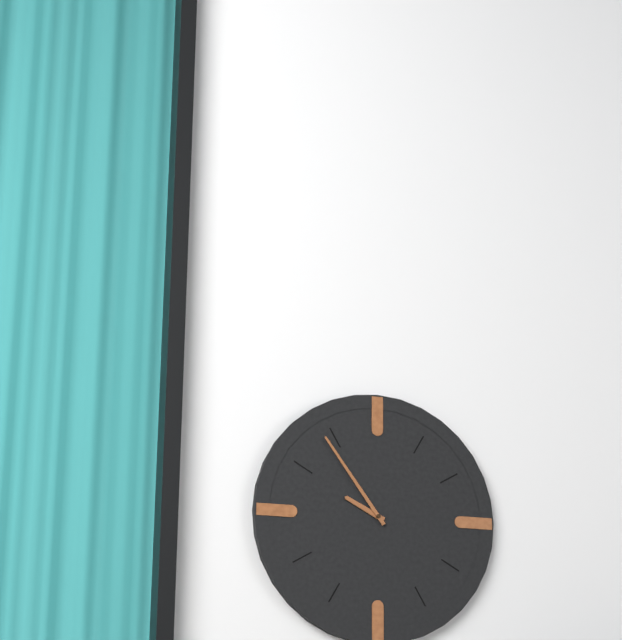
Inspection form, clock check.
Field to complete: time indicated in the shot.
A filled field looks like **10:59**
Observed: **9:54**
